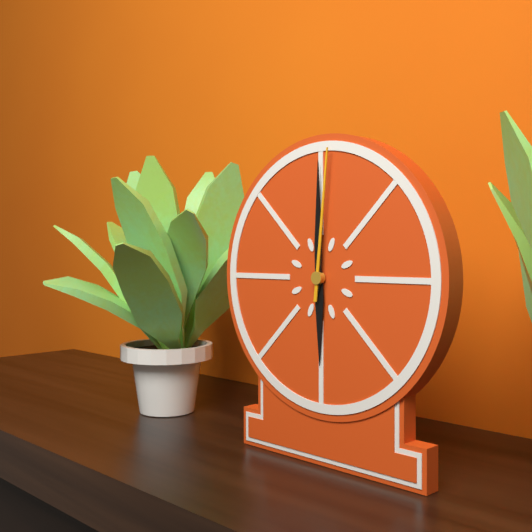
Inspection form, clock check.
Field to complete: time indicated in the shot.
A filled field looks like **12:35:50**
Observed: **6:00:01**
